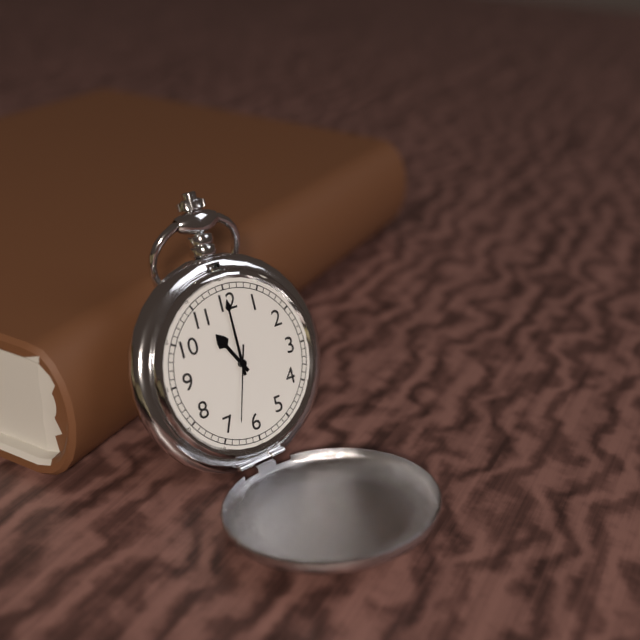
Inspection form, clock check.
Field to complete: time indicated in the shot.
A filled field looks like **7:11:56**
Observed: **11:00:33**
